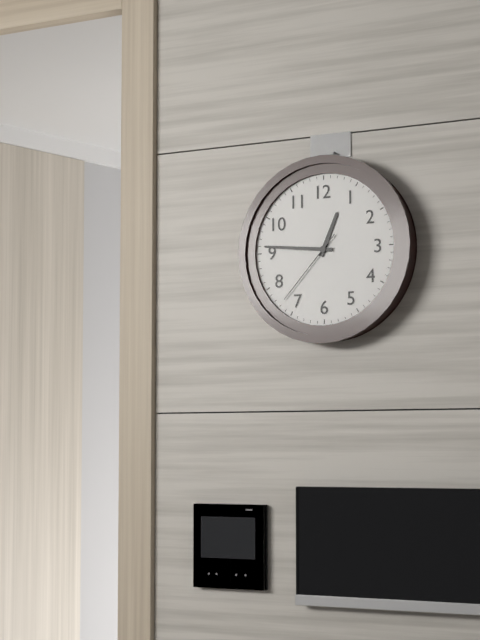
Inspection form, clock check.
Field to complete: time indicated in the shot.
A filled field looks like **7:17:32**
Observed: **12:46:37**
